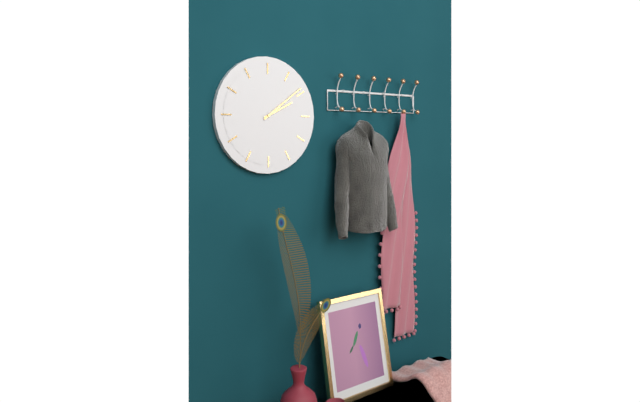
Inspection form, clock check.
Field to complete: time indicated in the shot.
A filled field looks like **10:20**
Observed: **2:09**
